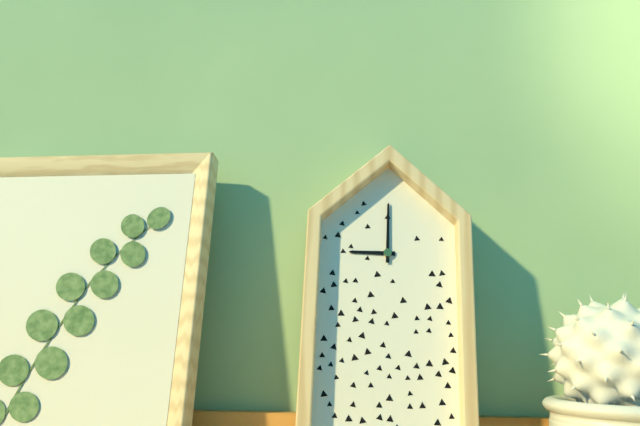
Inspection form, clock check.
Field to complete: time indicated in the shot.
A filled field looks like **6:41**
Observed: **9:00**
